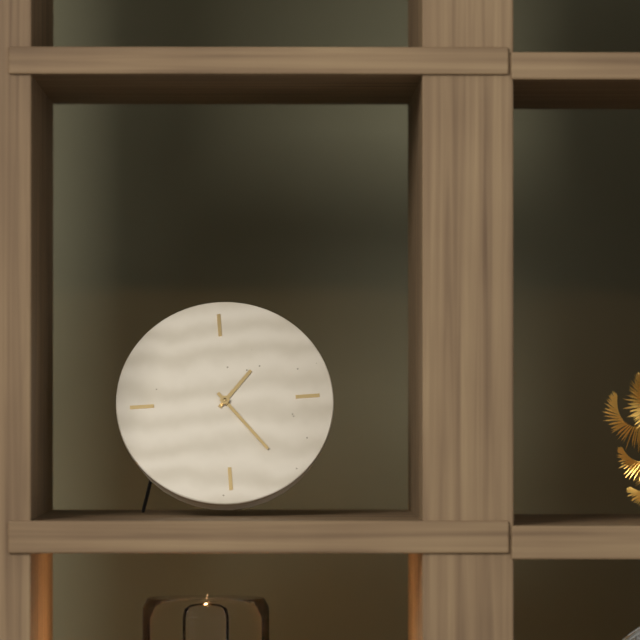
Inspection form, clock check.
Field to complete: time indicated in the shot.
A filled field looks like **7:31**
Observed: **1:24**
